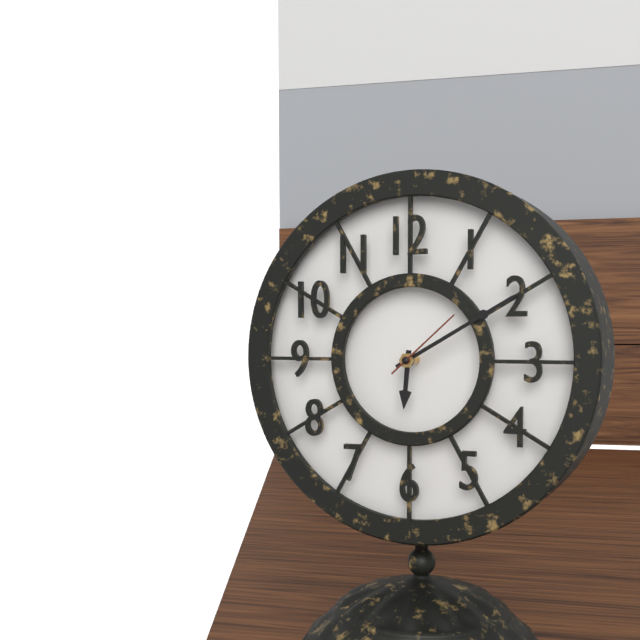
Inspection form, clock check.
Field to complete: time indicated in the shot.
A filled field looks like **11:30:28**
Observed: **6:10:08**
